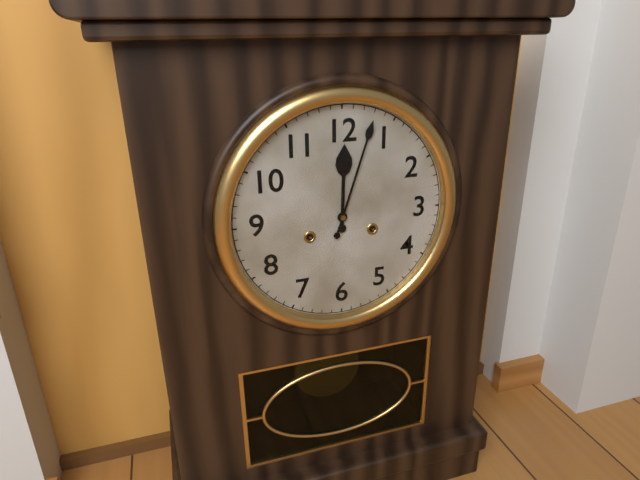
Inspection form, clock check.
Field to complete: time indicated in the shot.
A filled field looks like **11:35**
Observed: **12:03**
